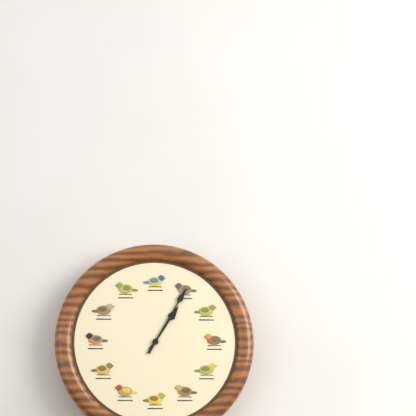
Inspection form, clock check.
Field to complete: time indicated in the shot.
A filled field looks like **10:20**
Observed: **1:05**
